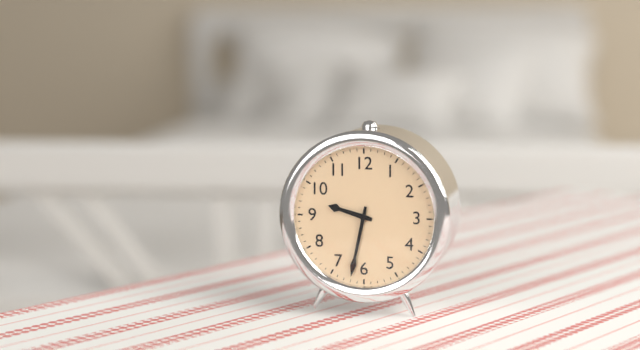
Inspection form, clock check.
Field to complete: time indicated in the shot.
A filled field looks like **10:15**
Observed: **9:32**
